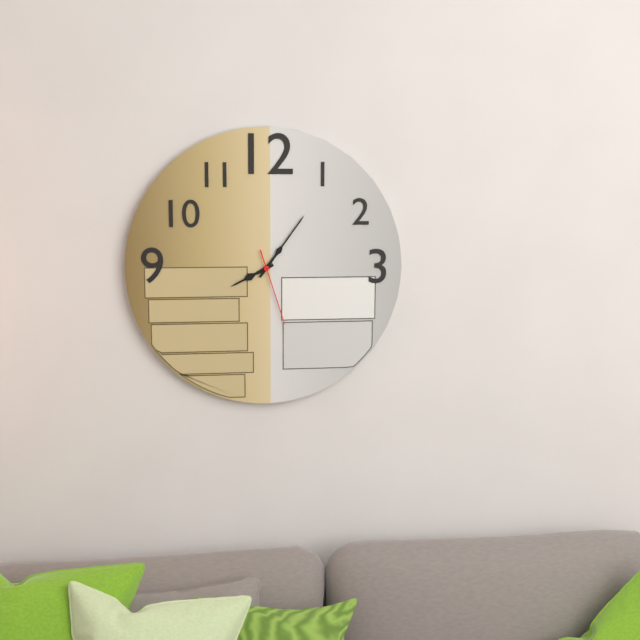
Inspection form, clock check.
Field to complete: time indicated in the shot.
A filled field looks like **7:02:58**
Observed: **8:06:27**
